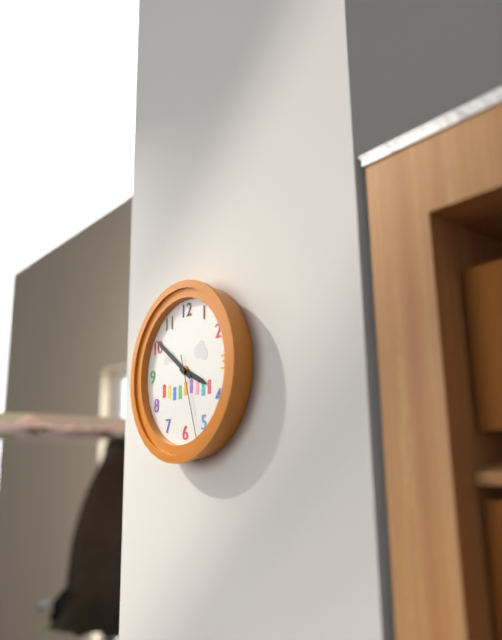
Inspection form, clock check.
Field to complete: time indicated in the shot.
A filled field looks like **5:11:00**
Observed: **3:51:27**
